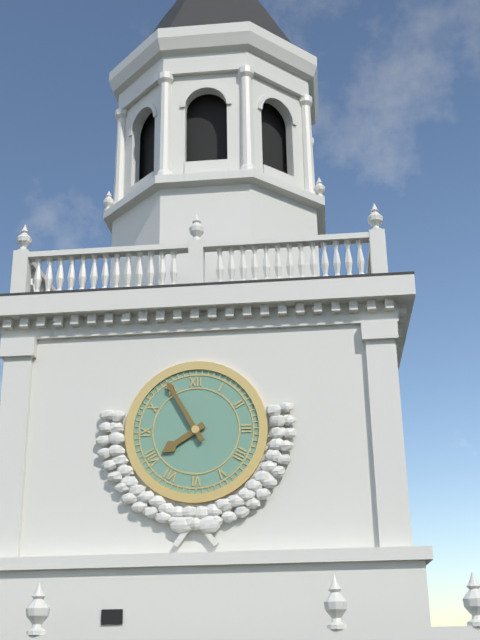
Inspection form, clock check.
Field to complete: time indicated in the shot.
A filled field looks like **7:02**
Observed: **7:55**
